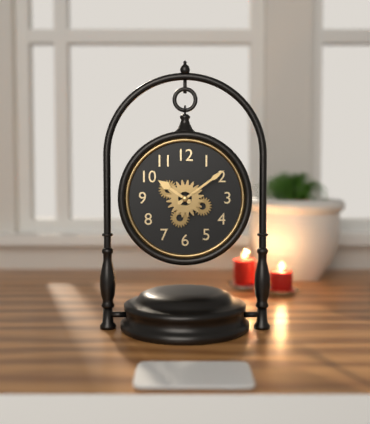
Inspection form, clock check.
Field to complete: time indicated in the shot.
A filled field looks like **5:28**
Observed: **10:09**
